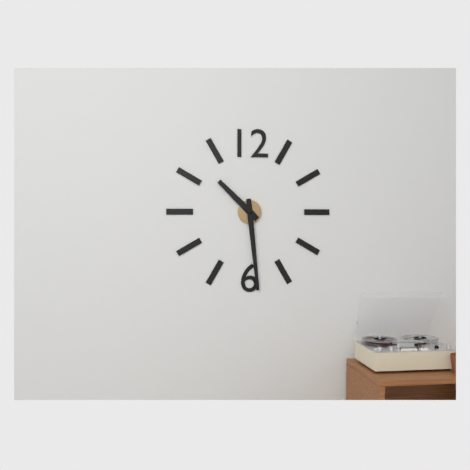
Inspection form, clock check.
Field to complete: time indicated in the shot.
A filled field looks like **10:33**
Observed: **10:29**
